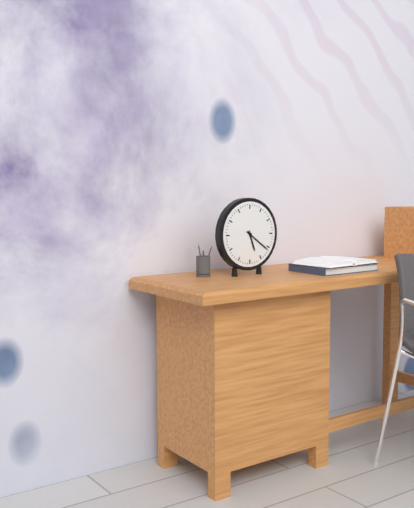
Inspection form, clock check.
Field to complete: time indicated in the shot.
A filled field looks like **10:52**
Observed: **5:21**
